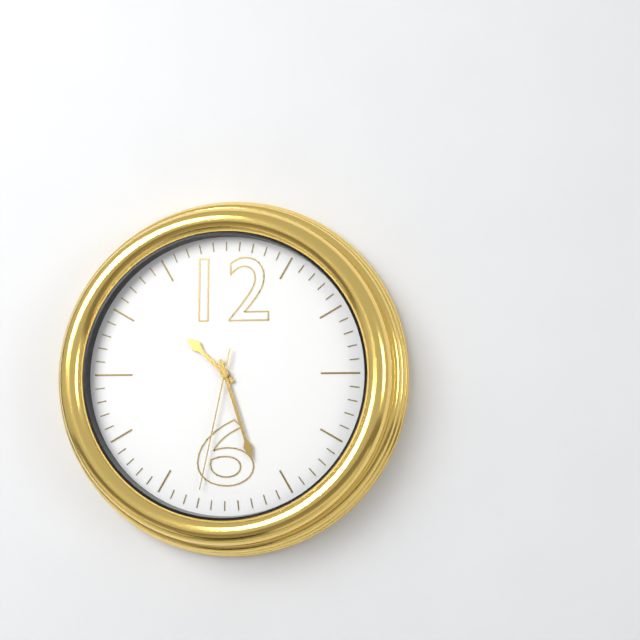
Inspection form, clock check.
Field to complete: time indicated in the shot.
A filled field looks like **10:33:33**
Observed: **10:27:32**
